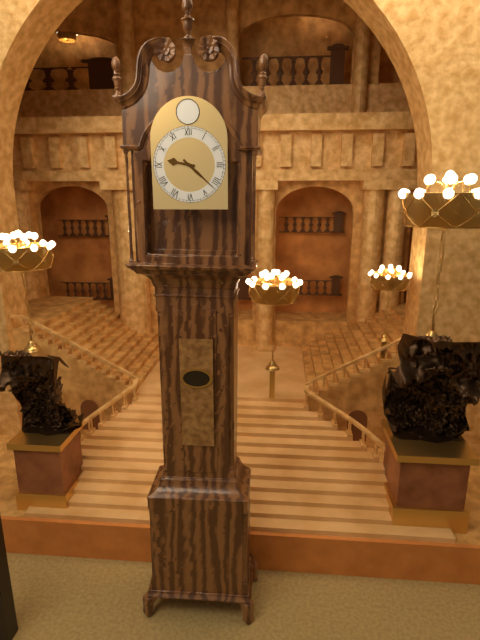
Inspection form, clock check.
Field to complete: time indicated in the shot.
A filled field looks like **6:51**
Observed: **9:22**
